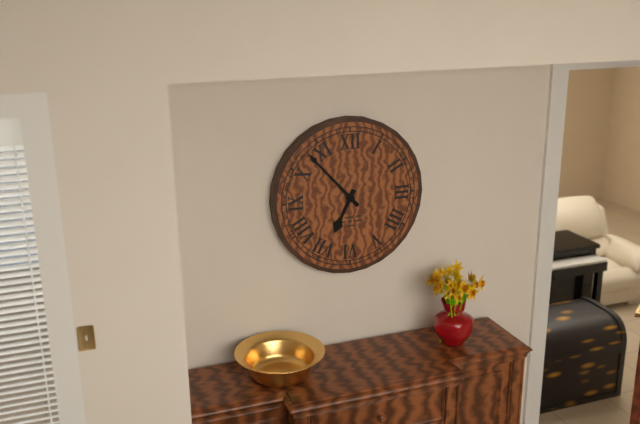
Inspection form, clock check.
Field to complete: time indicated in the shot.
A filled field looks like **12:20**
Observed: **6:53**
